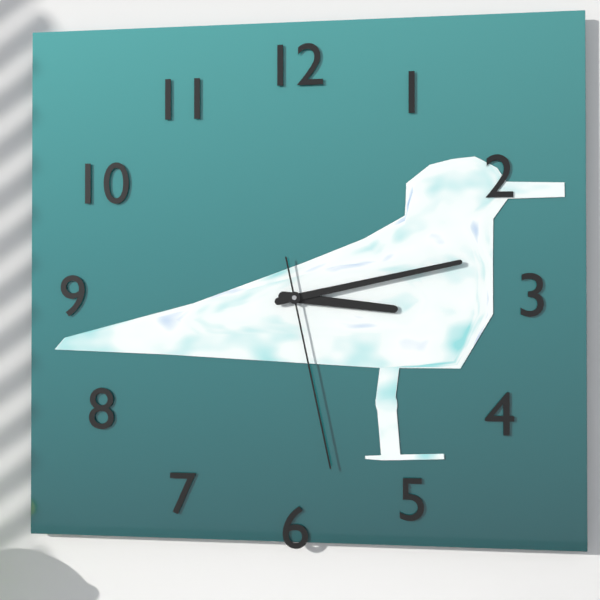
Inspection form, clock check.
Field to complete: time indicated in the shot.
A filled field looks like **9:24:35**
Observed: **3:13:28**
